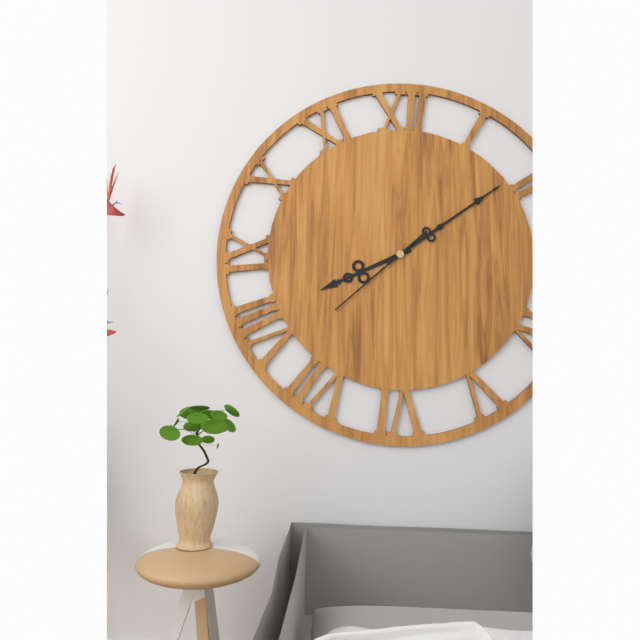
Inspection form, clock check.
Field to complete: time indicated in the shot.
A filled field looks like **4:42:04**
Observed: **8:09:38**
